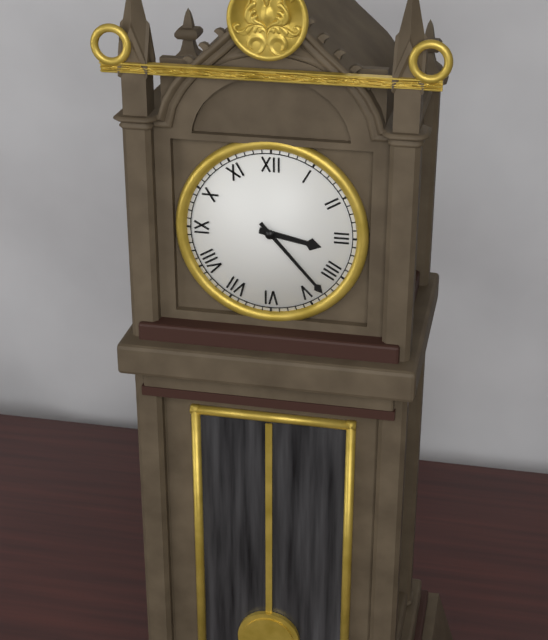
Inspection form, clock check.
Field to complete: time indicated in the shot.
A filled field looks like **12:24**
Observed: **3:23**
